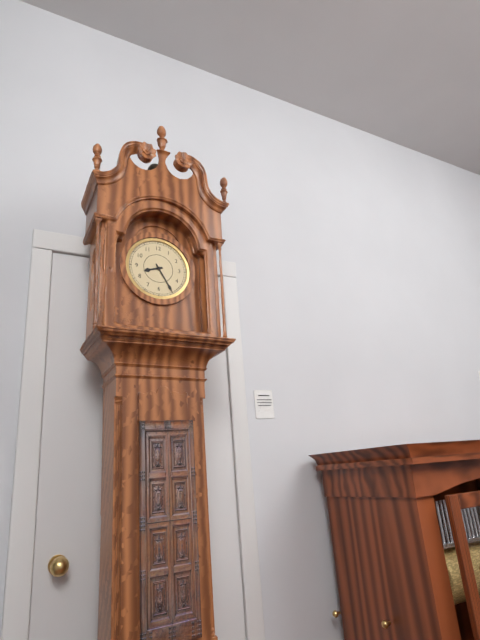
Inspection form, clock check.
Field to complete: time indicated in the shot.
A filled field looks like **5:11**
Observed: **8:25**
